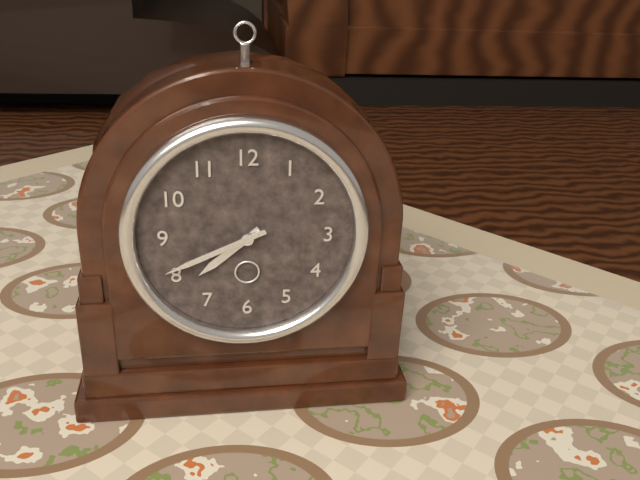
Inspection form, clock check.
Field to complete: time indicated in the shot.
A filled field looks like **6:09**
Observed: **7:41**
